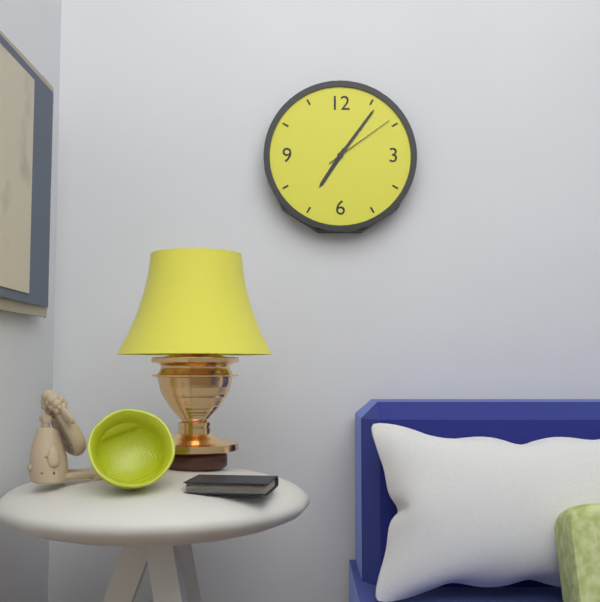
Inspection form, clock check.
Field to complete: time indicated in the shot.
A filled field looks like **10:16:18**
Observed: **7:06:09**
